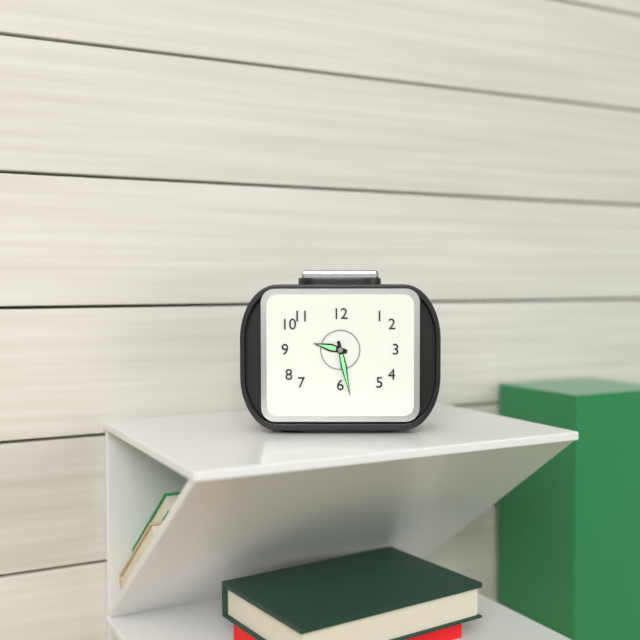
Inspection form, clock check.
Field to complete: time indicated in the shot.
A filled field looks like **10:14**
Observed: **9:28**
